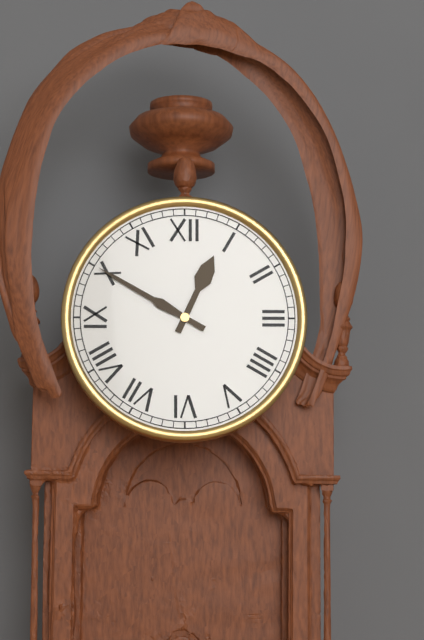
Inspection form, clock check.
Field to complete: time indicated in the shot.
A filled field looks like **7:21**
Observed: **12:50**
